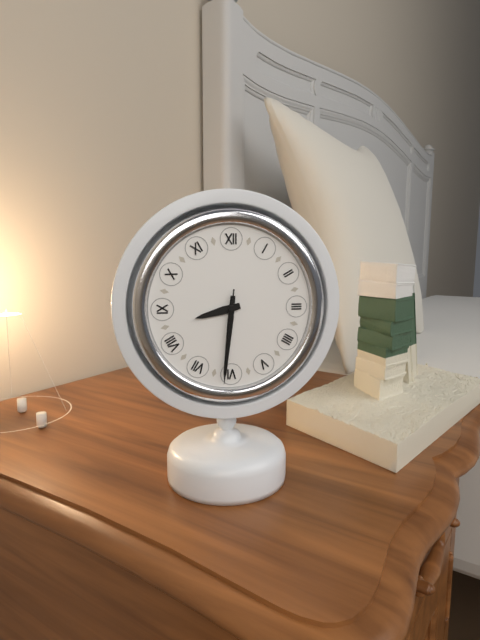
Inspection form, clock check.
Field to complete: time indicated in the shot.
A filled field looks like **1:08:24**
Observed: **8:31:31**
